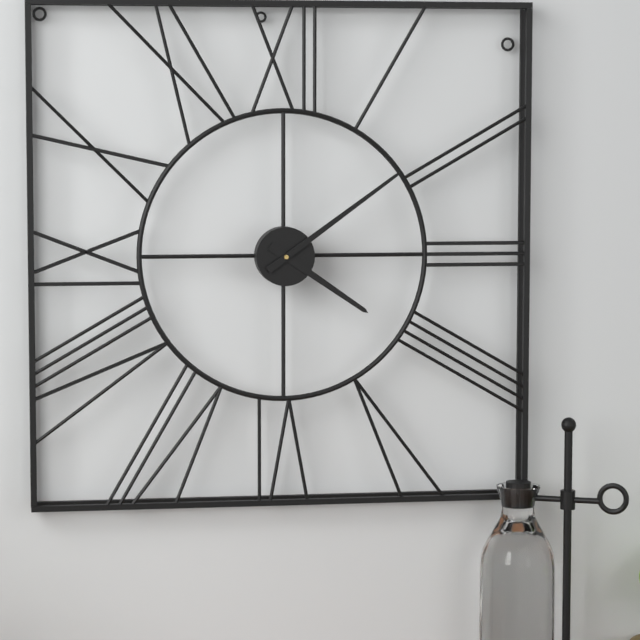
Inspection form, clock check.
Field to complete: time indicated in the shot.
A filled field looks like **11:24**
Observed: **4:09**
